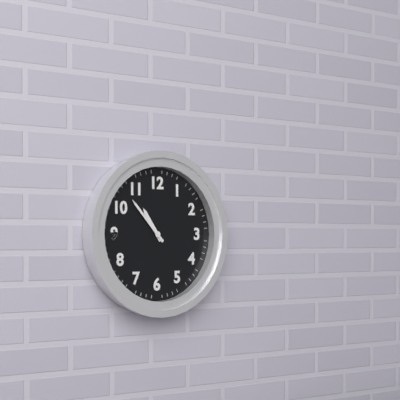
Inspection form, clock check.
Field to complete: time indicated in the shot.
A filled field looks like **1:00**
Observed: **10:53**
